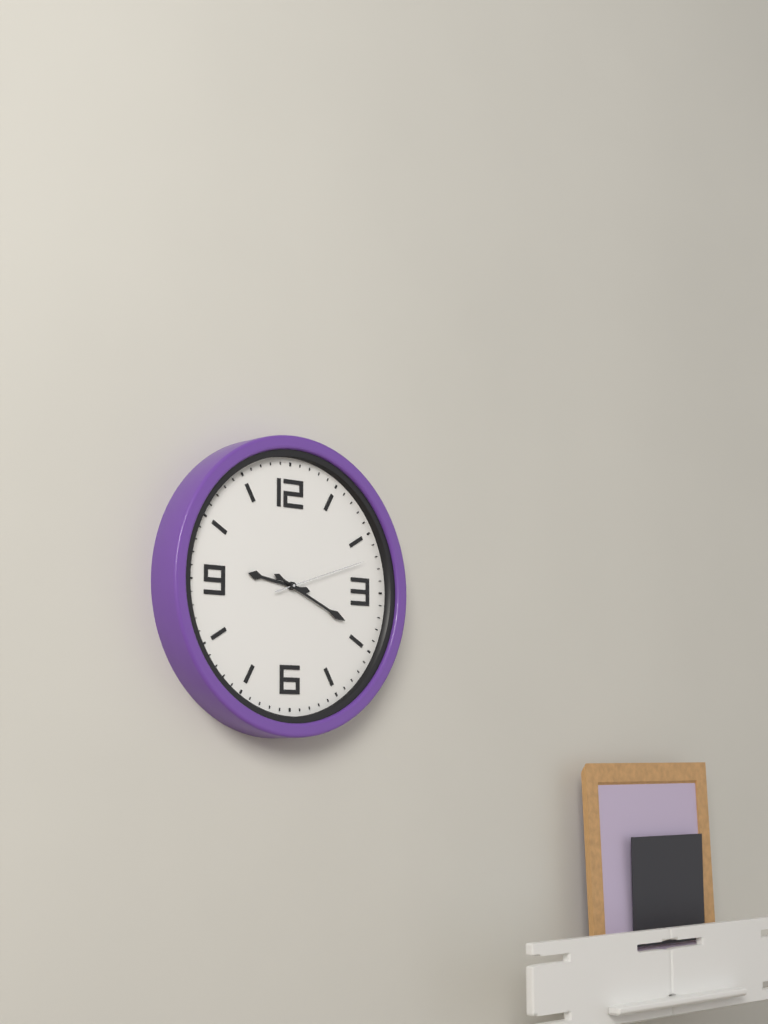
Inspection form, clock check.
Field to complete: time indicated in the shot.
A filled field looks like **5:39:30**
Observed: **9:19:12**
